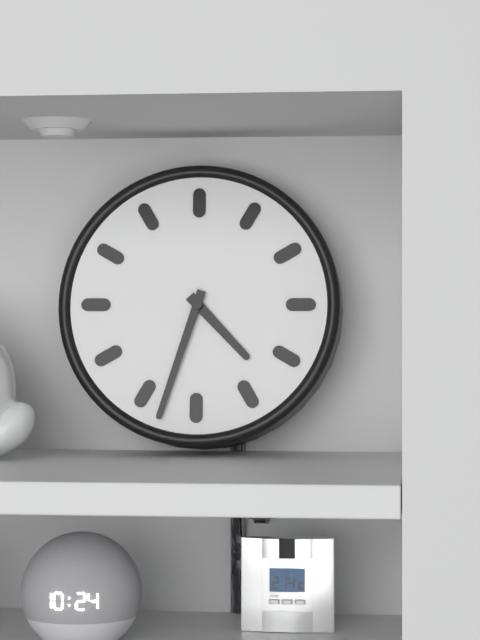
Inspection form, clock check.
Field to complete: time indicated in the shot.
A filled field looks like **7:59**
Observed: **4:33**
